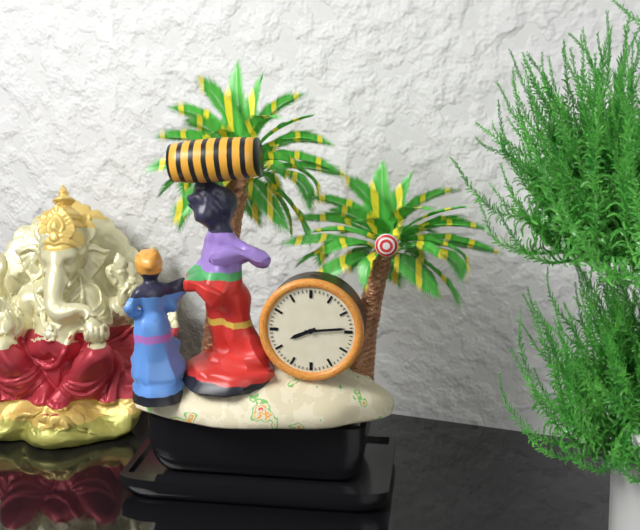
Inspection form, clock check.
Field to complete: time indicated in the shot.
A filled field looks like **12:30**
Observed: **8:14**
